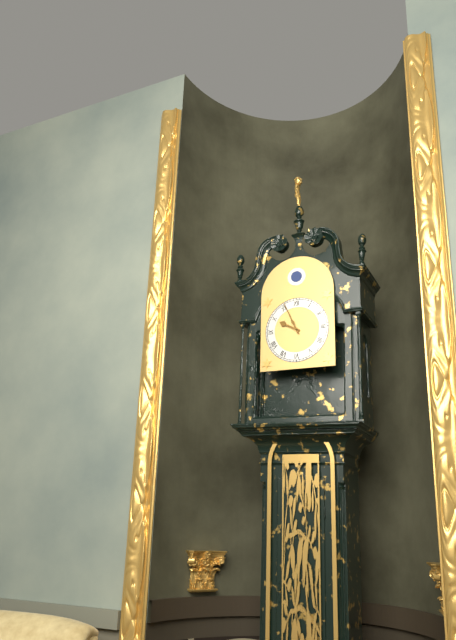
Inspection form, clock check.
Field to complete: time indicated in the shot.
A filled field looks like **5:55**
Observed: **9:56**
